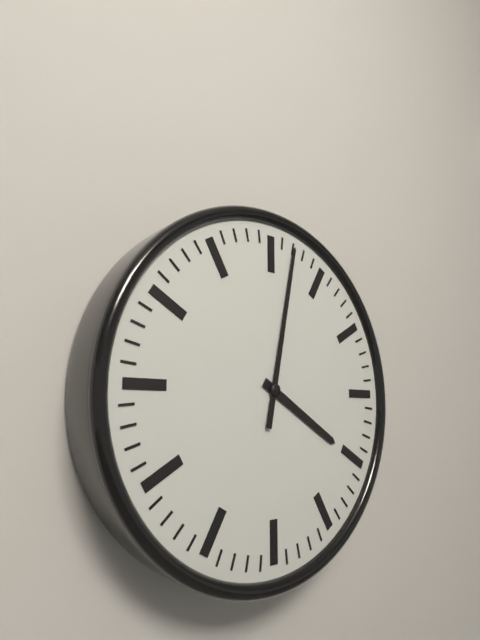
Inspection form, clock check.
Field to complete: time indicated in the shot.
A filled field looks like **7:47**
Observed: **4:02**
